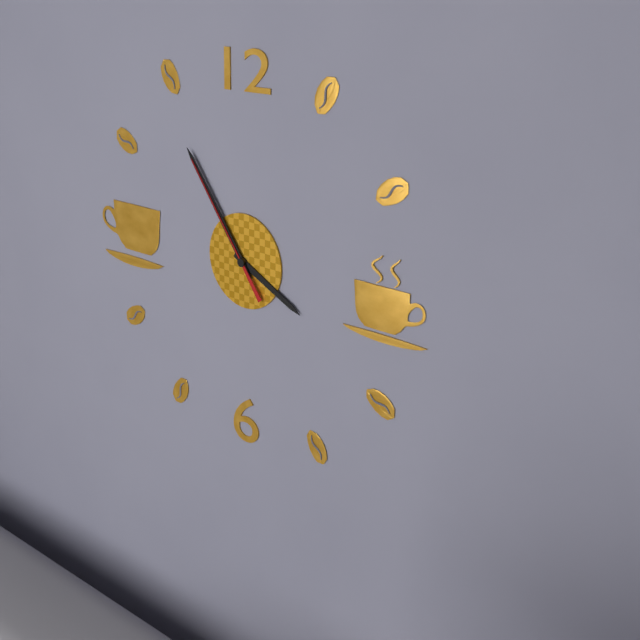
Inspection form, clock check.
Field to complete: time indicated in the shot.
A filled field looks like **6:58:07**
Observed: **3:54:54**
